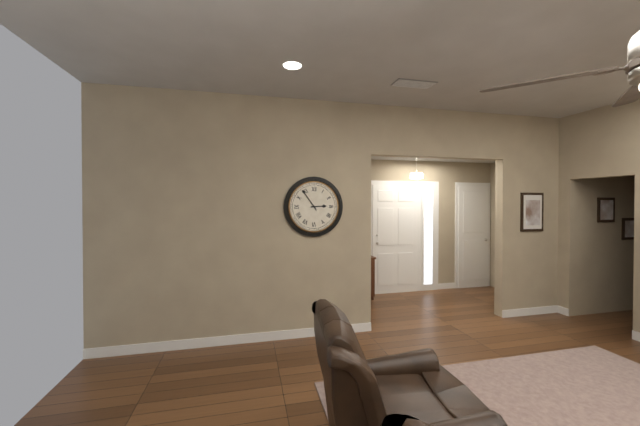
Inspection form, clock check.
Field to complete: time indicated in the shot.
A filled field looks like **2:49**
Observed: **2:54**
